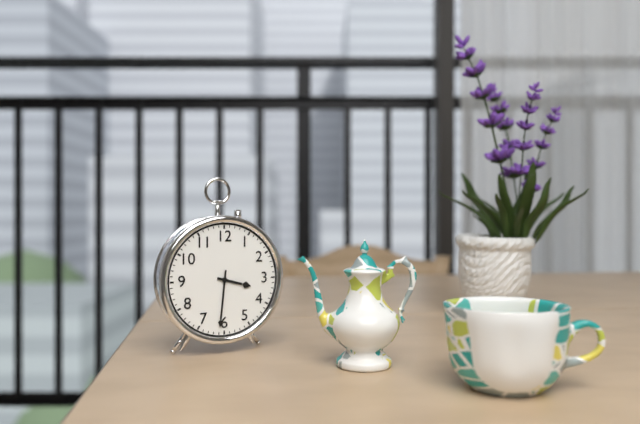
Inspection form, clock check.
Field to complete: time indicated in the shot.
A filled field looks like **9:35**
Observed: **3:31**
